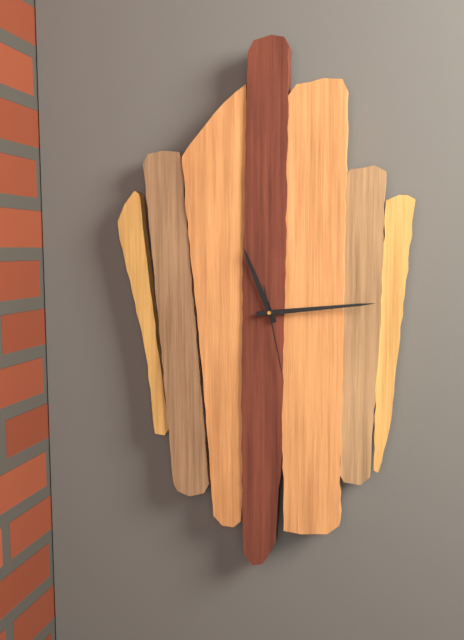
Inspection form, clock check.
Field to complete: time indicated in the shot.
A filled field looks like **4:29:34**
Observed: **11:14:28**
